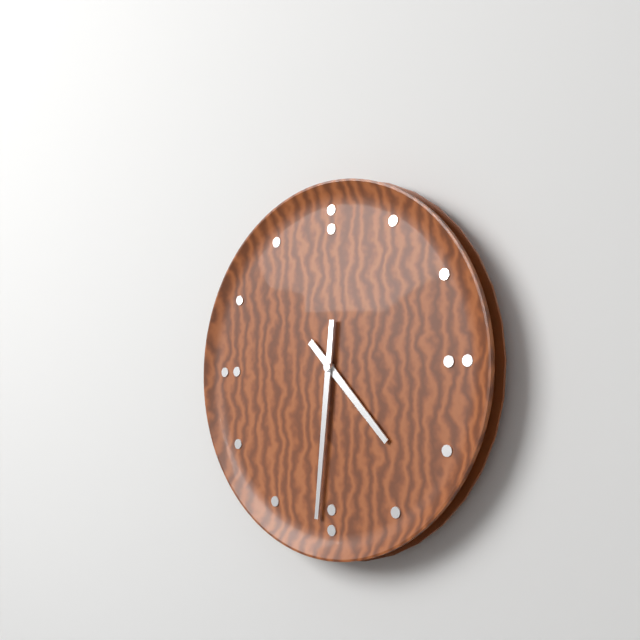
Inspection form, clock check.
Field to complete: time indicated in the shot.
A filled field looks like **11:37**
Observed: **4:31**
